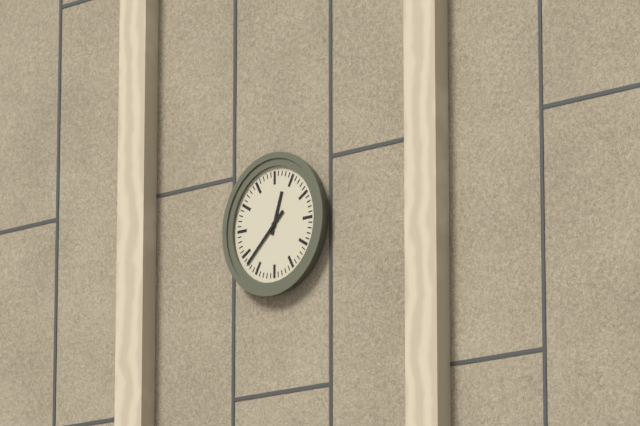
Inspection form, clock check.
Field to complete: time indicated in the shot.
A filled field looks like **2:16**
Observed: **12:38**
